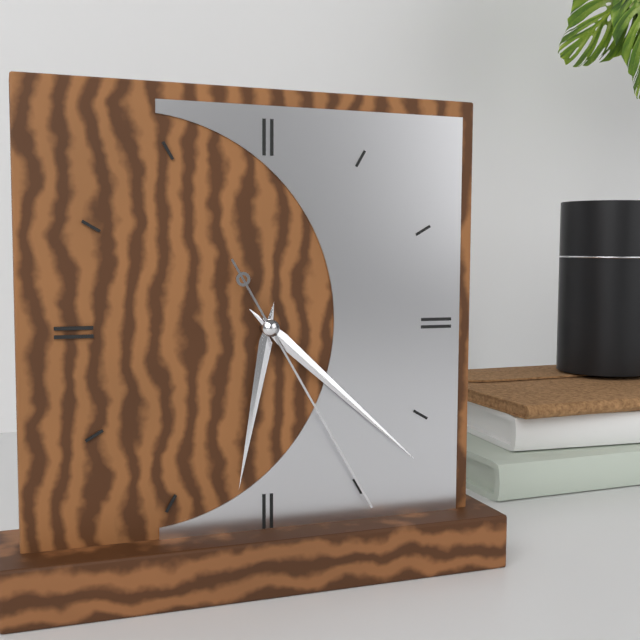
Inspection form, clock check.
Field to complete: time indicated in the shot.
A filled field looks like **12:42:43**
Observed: **6:22:25**
